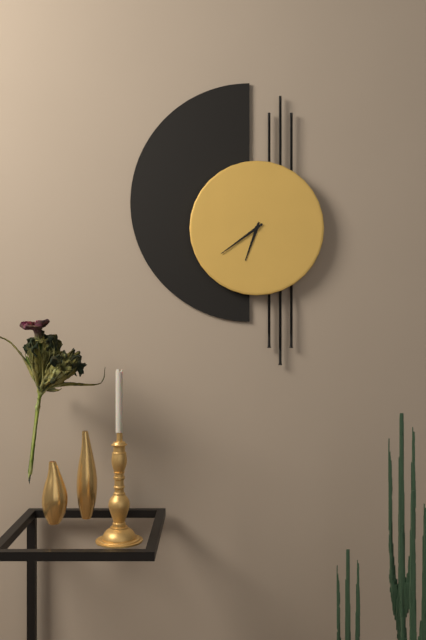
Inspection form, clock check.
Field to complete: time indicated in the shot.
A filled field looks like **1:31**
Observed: **6:39**
